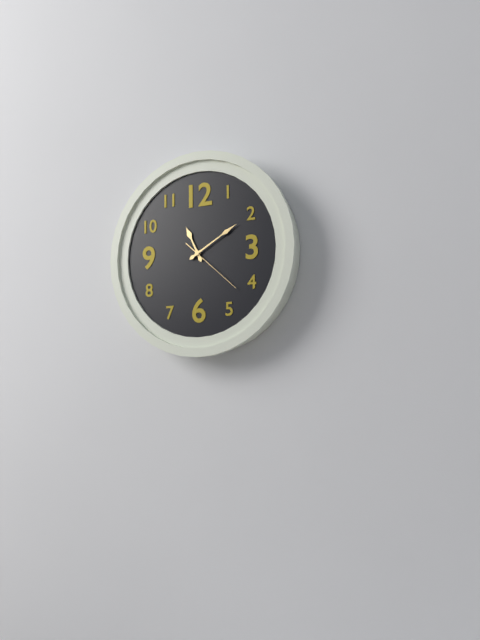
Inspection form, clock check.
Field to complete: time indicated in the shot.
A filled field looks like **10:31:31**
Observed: **11:10:22**
